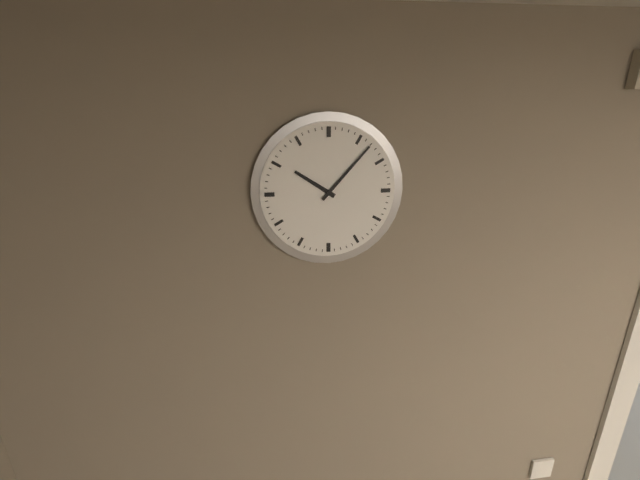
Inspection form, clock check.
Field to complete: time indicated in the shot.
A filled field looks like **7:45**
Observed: **10:07**
